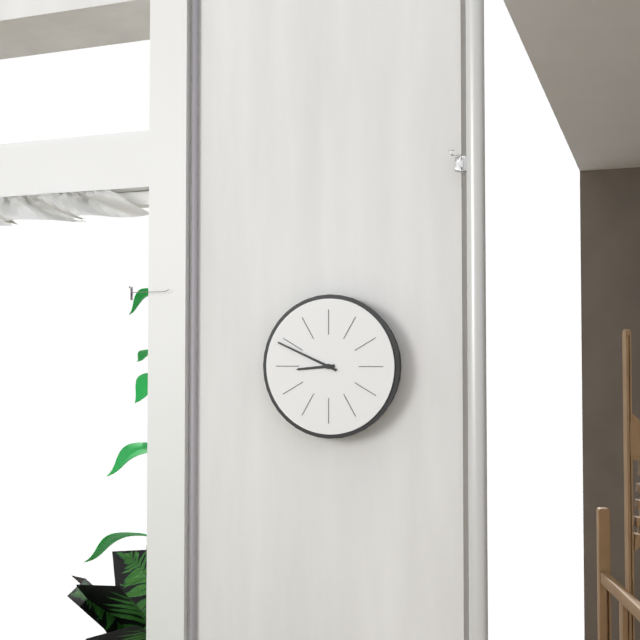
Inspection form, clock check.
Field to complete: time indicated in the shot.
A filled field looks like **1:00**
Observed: **8:49**
